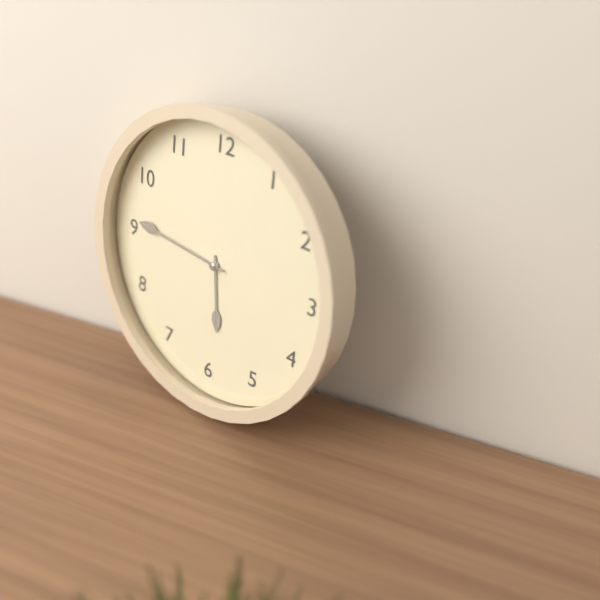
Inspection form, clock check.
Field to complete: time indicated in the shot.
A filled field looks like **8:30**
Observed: **5:46**
